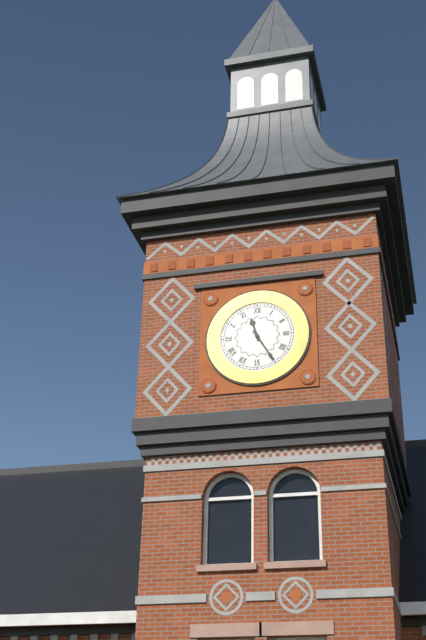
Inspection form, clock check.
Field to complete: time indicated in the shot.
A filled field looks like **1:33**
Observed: **11:25**
